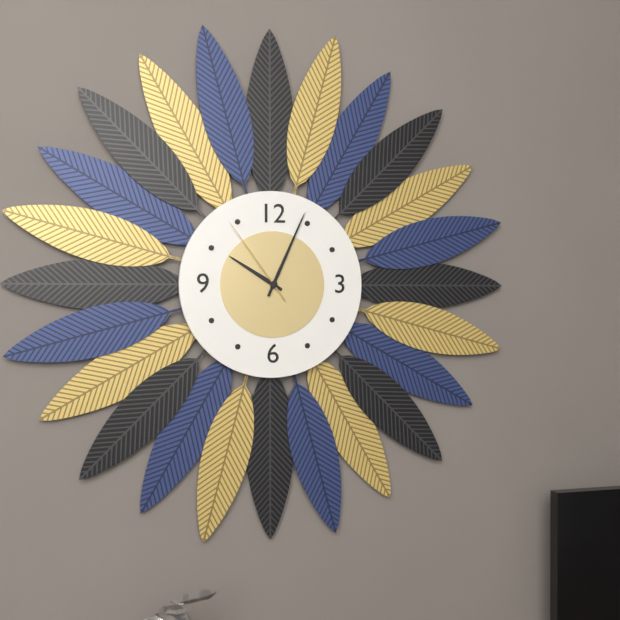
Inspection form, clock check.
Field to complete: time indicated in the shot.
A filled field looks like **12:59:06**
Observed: **10:04:54**
